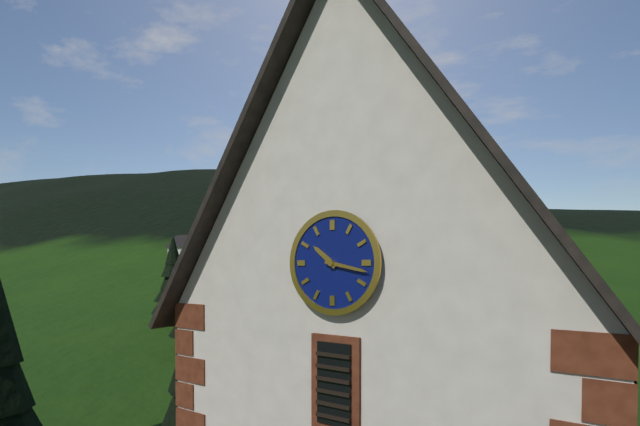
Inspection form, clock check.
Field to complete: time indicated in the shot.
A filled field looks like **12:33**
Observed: **10:17**
